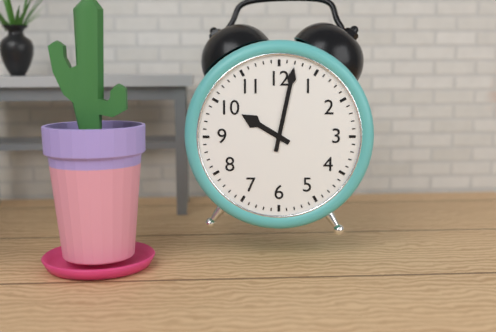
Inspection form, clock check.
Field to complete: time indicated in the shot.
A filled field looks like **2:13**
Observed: **10:02**
